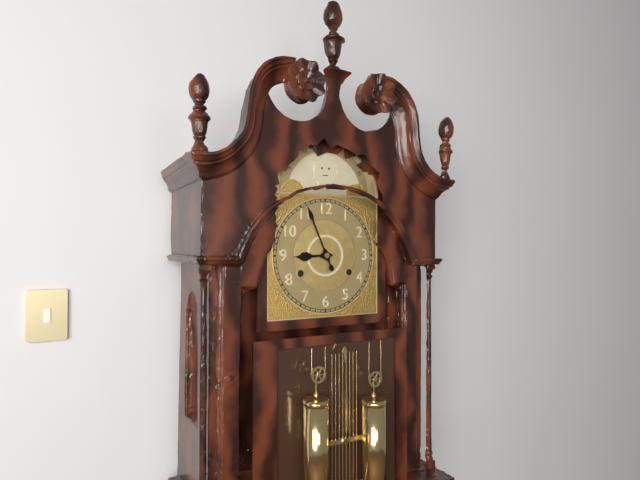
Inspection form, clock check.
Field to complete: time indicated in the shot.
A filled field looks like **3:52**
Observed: **8:56**
